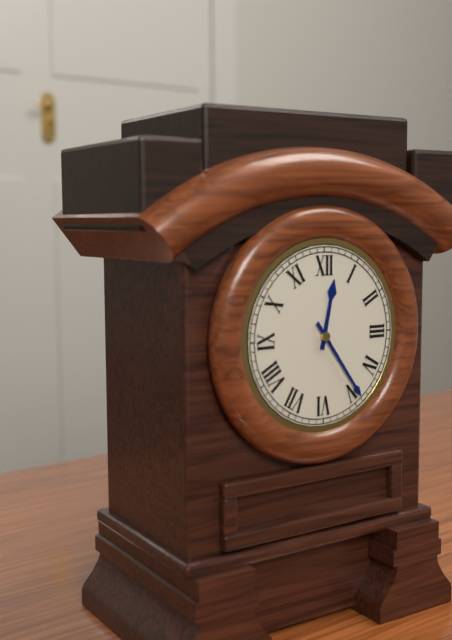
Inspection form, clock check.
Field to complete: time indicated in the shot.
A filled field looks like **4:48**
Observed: **12:24**
